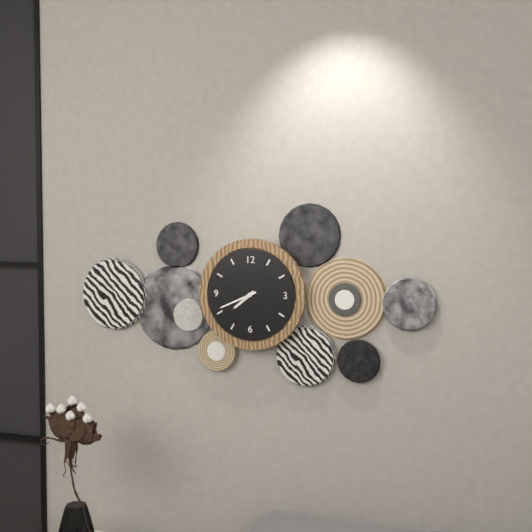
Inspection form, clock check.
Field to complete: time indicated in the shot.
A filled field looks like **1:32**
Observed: **7:41**
